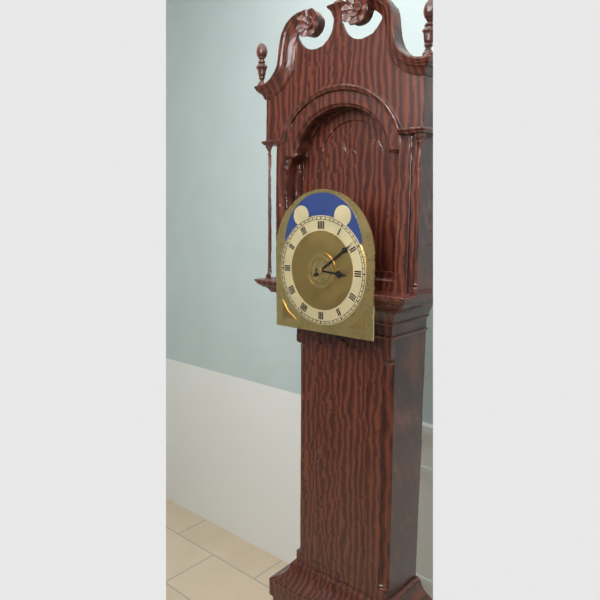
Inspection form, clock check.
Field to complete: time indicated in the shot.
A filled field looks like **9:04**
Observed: **3:09**
